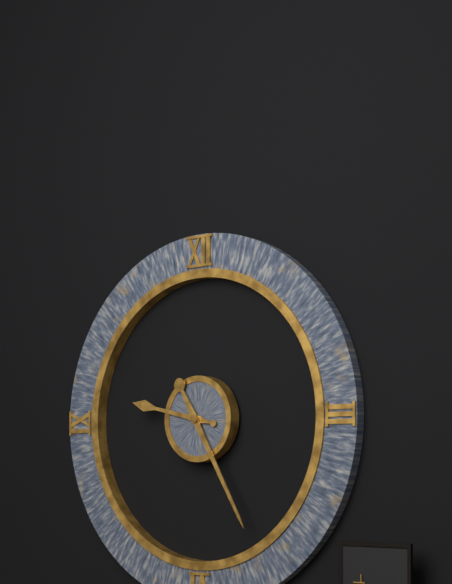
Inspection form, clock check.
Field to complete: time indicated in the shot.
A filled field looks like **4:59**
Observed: **9:25**
